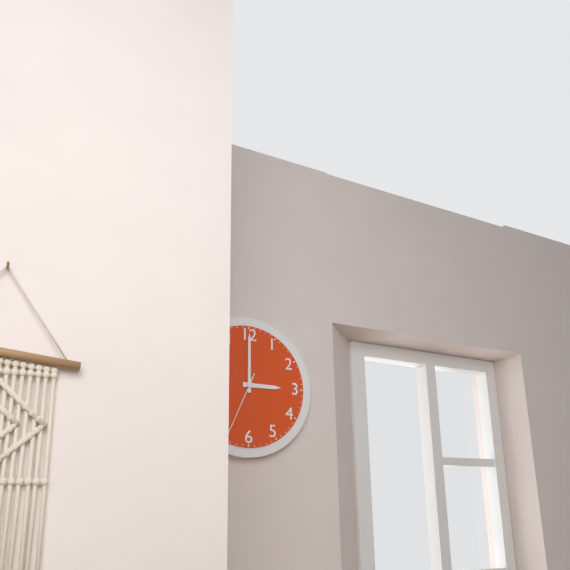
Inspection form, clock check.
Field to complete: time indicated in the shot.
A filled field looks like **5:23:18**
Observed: **3:00:34**
